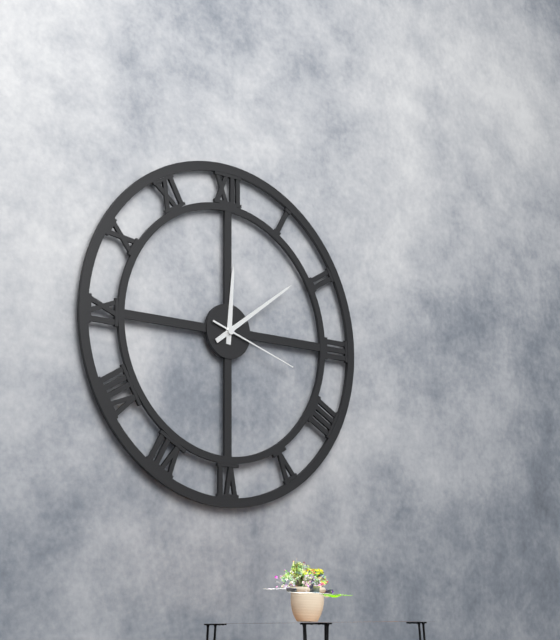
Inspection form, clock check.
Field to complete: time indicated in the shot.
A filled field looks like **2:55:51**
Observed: **12:09:18**
